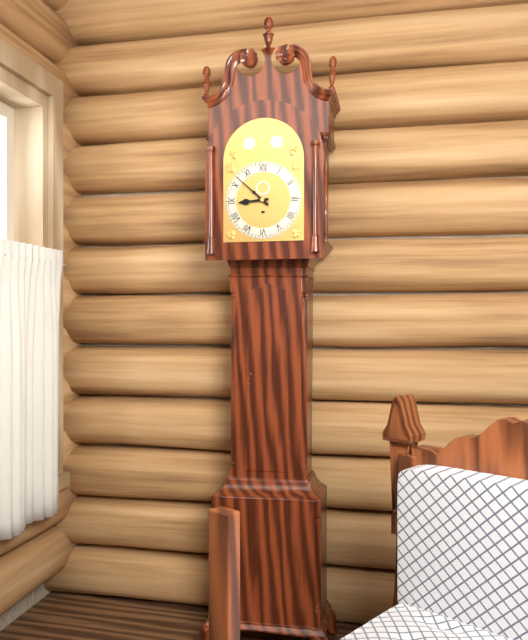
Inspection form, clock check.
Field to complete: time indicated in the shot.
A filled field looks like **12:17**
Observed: **8:52**
